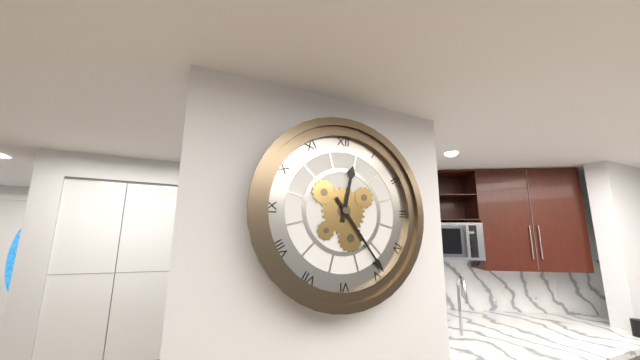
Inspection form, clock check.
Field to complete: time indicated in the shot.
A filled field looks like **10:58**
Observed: **12:24**
